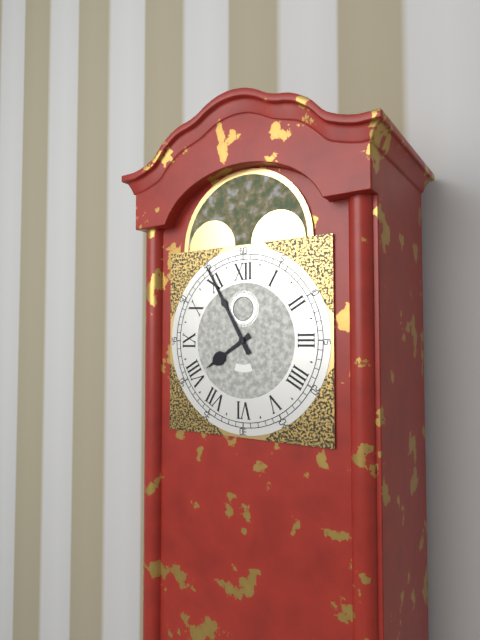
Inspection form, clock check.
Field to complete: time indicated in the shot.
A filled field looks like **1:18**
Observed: **7:55**
